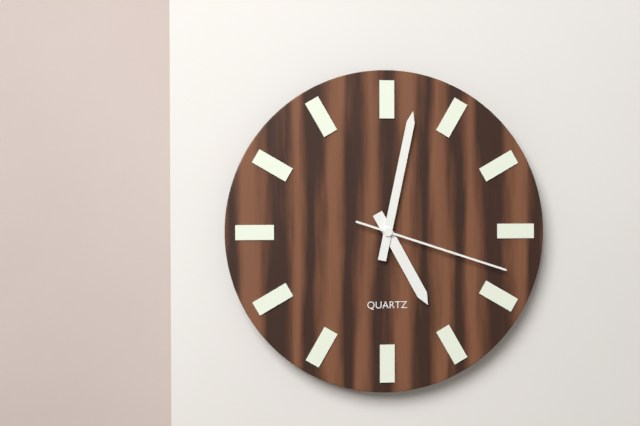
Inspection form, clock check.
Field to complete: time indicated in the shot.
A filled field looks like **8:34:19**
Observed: **5:02:18**
